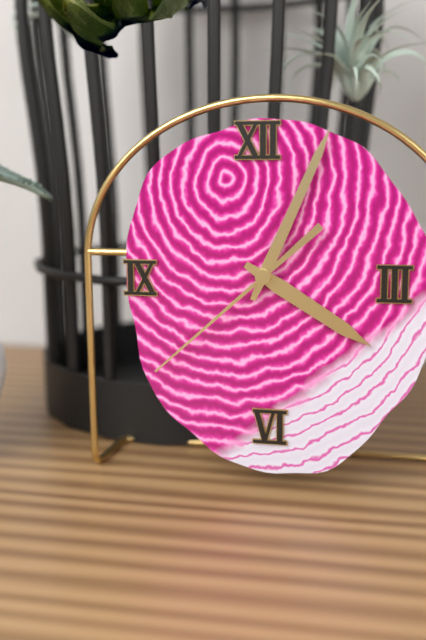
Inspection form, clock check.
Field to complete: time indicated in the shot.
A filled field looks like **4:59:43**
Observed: **4:04:38**
